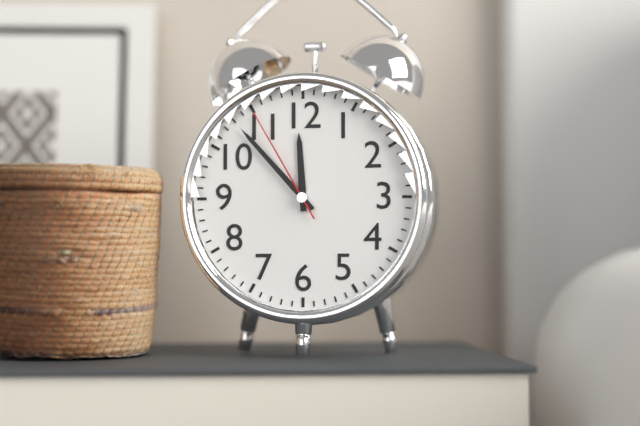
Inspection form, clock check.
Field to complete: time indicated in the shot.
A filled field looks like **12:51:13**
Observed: **11:53:55**
